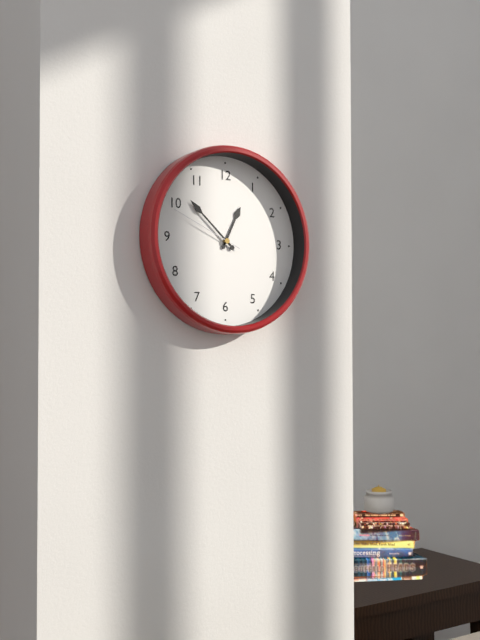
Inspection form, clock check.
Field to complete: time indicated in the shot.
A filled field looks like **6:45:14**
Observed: **12:52:49**
